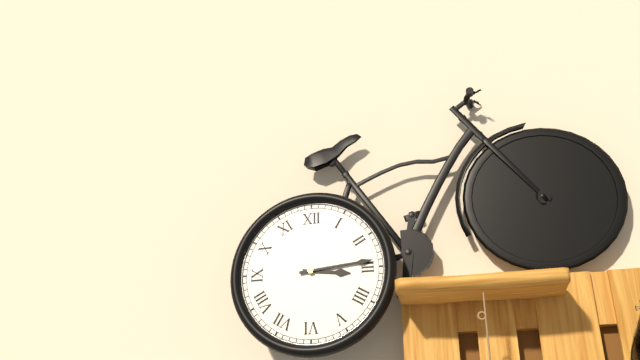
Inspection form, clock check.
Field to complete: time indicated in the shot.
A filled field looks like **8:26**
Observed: **3:14**
